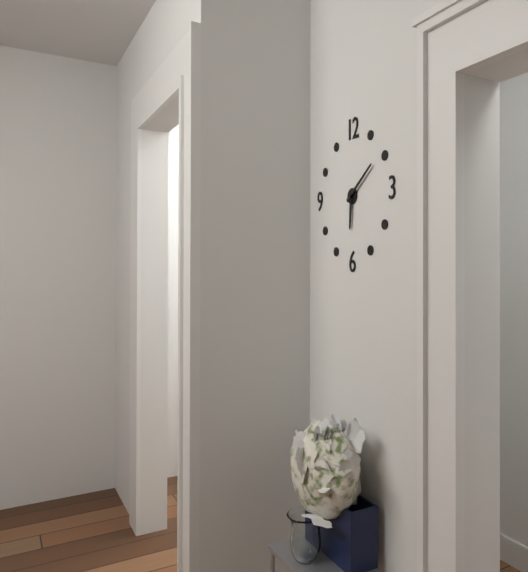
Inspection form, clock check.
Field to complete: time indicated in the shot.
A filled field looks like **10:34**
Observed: **6:09**
